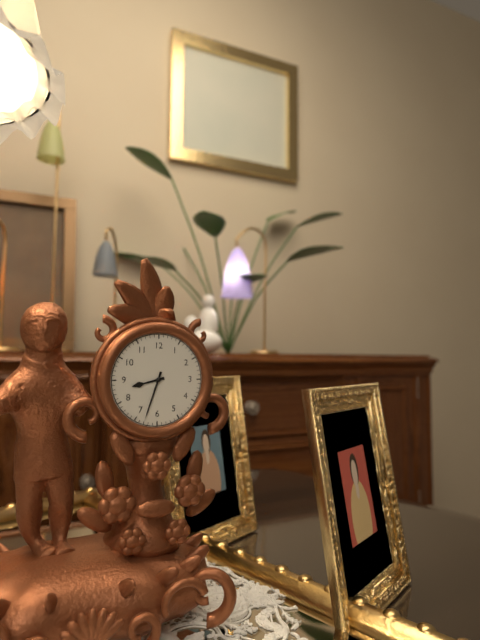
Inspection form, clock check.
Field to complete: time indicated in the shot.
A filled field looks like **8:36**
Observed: **8:33**
